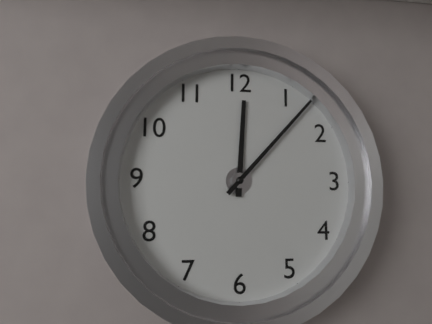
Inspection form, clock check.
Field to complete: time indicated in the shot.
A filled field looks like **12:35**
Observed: **12:07**
